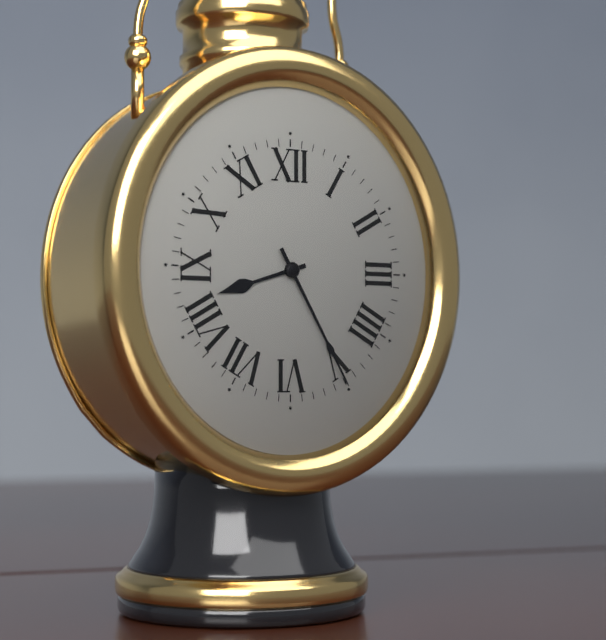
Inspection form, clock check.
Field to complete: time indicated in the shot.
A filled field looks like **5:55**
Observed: **8:25**
